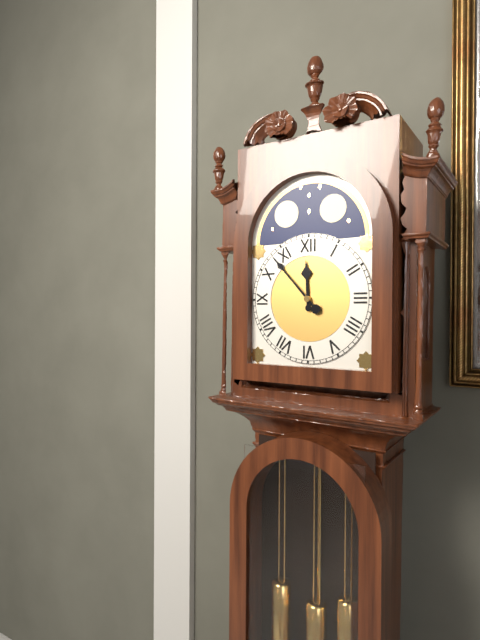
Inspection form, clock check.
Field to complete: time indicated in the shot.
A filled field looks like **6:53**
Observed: **11:53**
